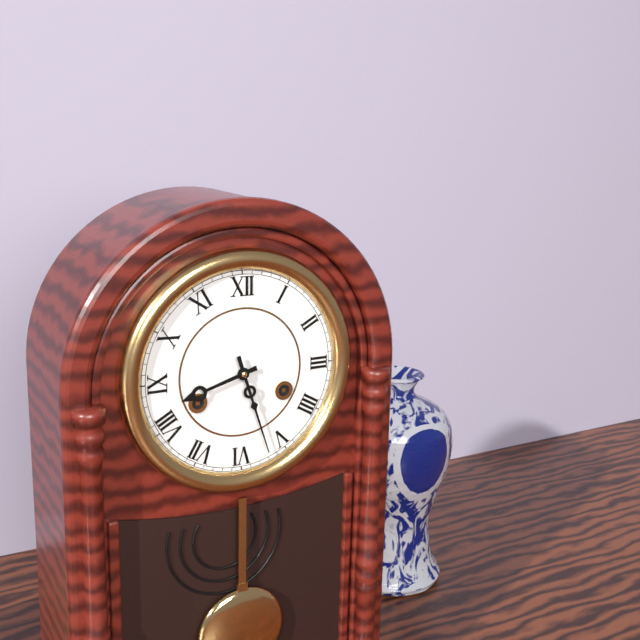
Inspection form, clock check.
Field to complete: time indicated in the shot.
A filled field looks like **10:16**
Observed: **8:27**
